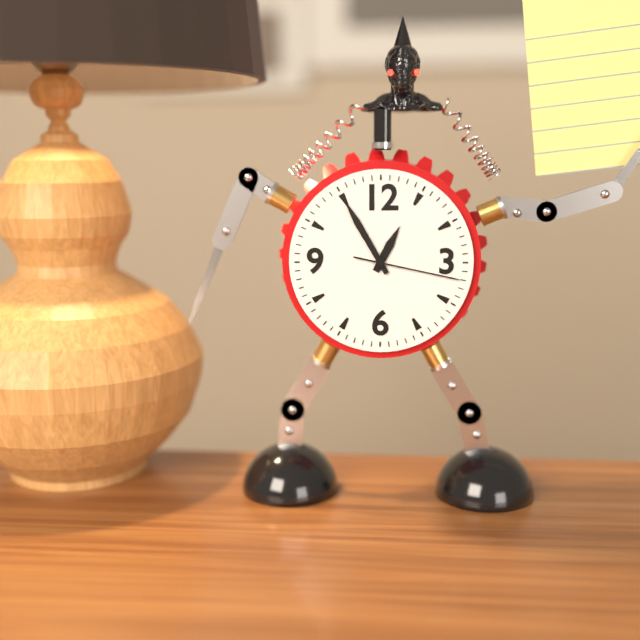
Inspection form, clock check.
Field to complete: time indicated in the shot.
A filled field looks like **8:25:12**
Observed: **12:55:17**
